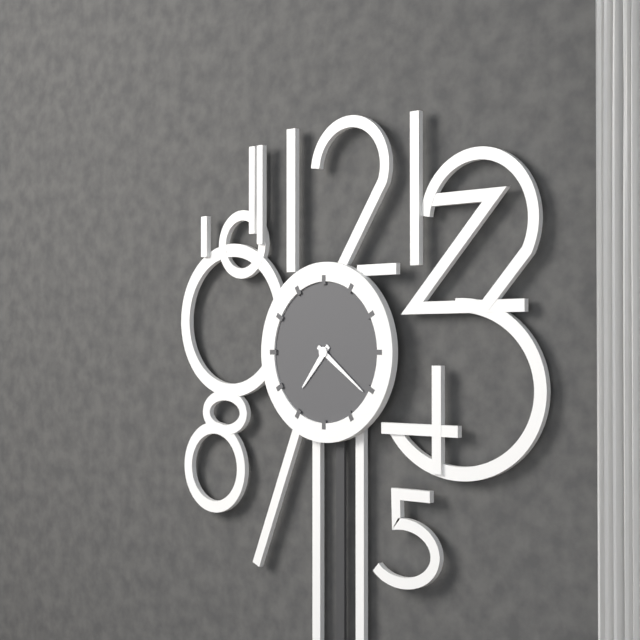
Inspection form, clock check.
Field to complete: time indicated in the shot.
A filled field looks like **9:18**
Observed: **7:21**
